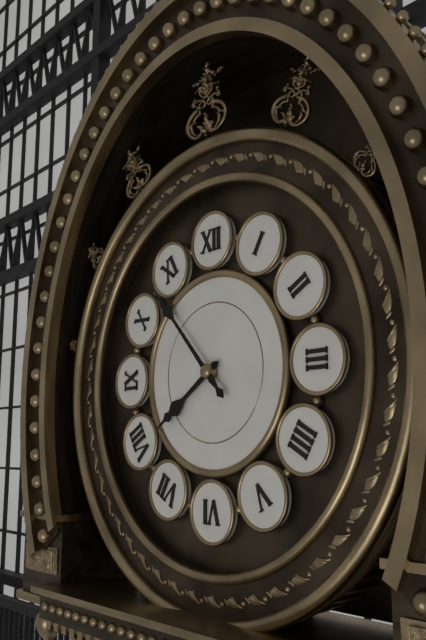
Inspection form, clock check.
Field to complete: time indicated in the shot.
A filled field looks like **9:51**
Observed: **7:53**
